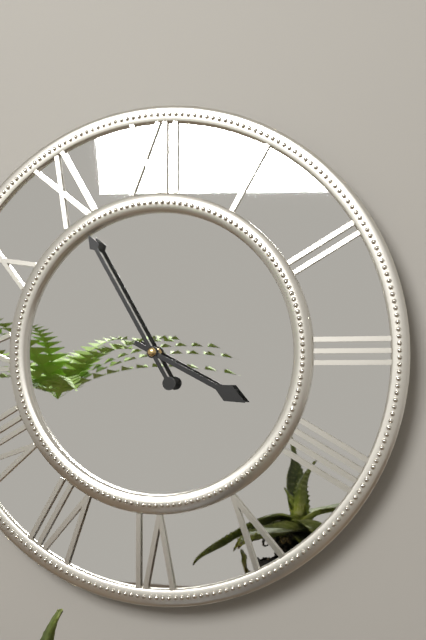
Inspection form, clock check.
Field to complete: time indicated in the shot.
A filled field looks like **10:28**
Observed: **3:55**
